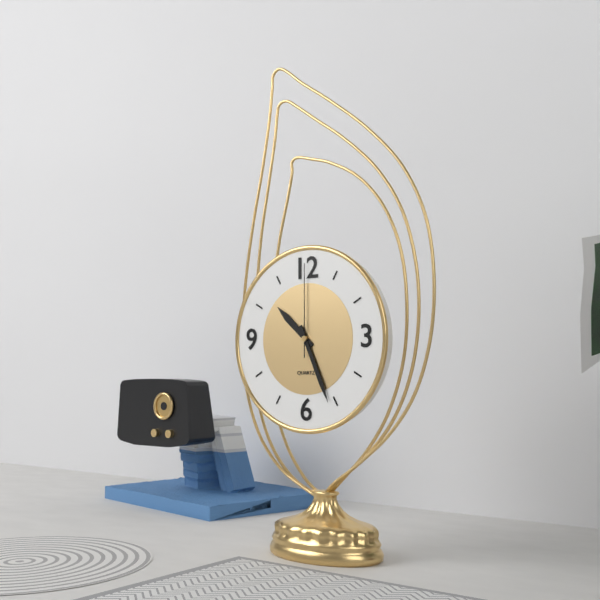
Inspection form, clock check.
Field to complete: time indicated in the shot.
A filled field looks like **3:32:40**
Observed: **10:26:00**
